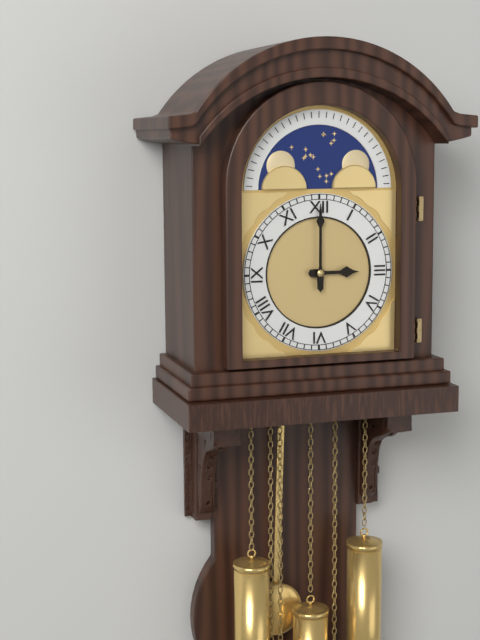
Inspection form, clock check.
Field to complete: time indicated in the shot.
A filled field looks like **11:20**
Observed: **3:00**
